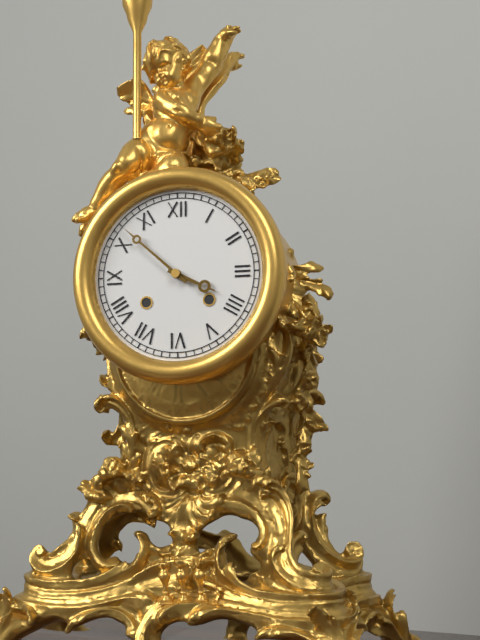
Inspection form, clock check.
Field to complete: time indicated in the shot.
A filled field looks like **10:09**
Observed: **3:52**
